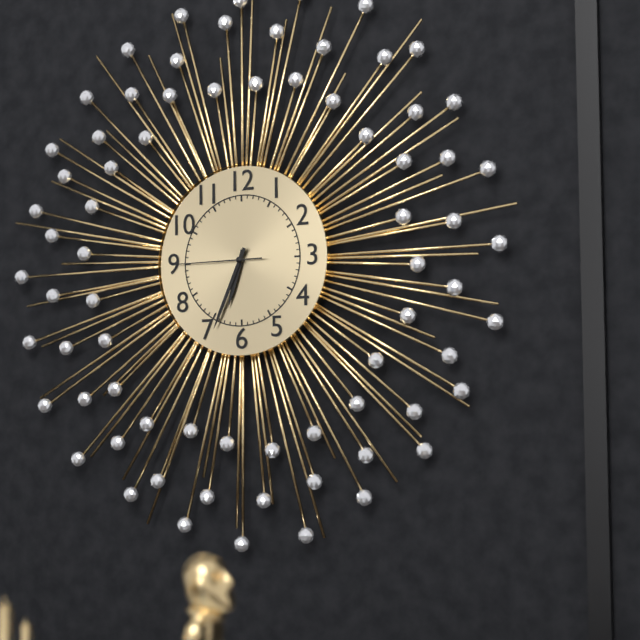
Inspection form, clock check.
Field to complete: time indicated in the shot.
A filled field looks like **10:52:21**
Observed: **6:34:45**
